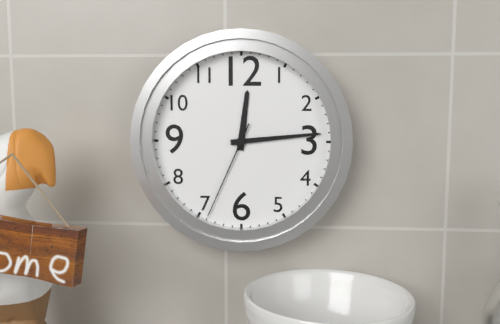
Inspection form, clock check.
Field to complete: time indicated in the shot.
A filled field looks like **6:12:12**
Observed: **12:14:34**
